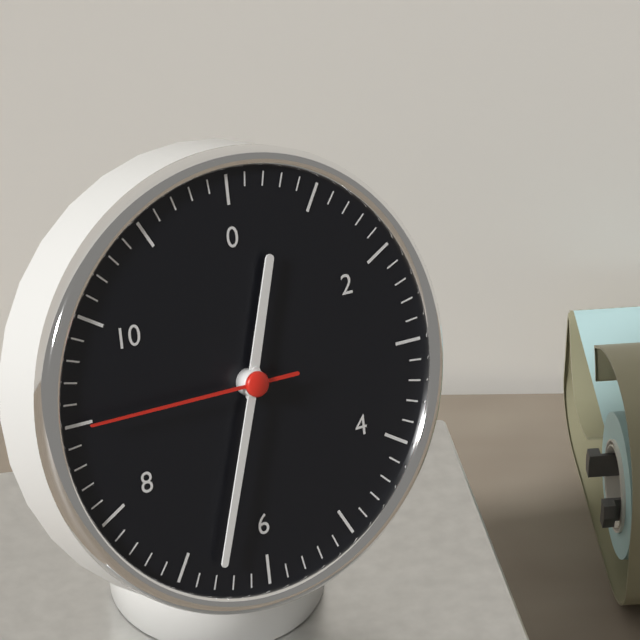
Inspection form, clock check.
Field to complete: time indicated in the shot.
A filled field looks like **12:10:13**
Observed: **12:33:45**
